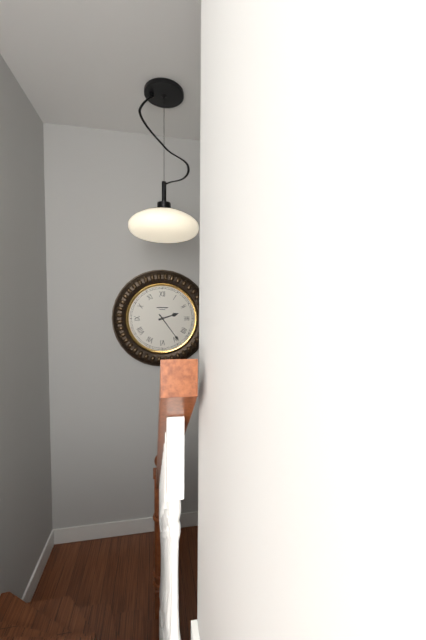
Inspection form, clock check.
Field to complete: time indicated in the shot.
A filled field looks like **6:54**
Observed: **2:24**
